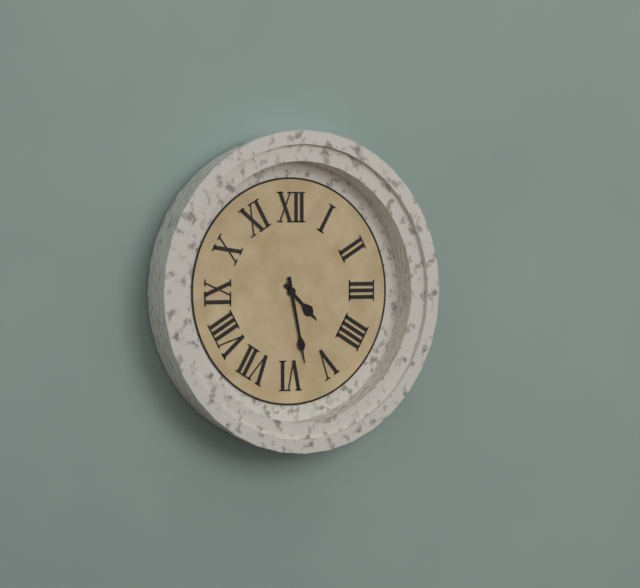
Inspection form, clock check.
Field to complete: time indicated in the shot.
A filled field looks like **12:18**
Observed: **4:28**
